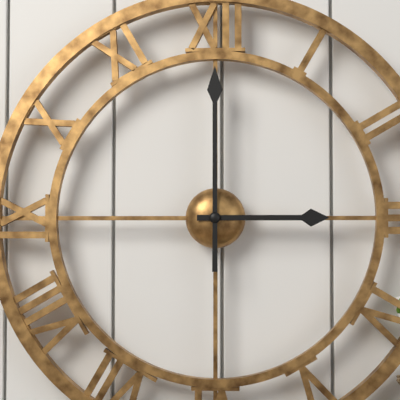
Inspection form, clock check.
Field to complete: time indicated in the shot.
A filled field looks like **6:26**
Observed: **3:00**
